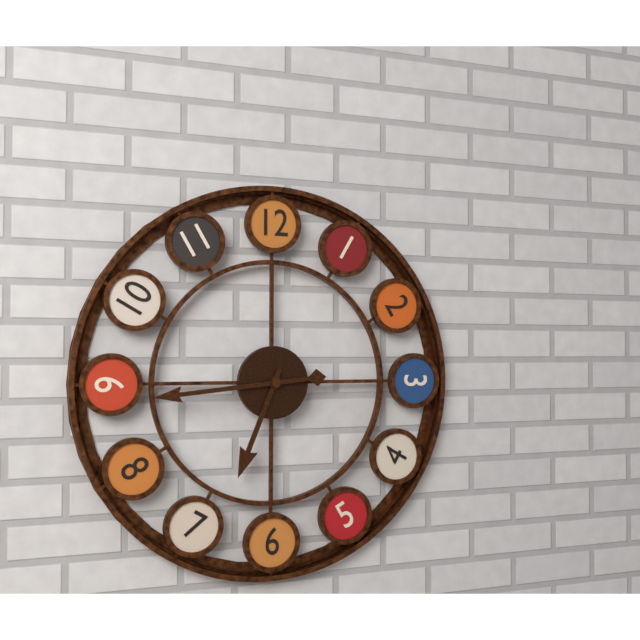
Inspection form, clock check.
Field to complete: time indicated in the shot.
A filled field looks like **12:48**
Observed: **6:44**
